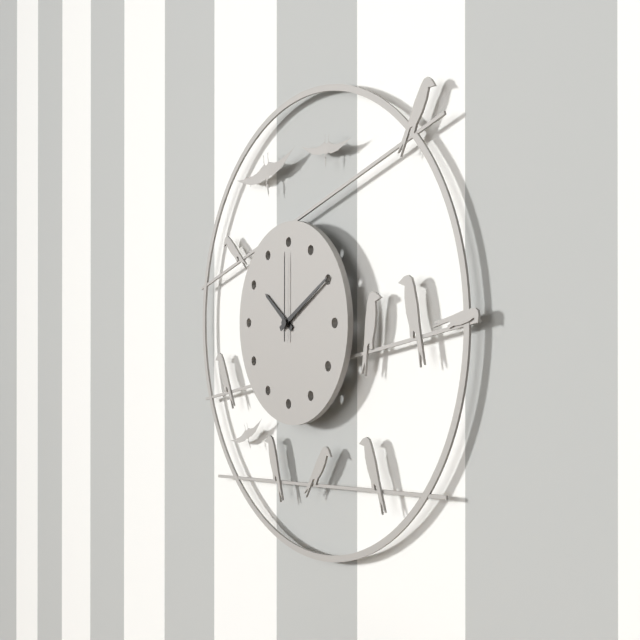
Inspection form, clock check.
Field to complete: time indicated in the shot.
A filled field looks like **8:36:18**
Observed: **10:10:00**
